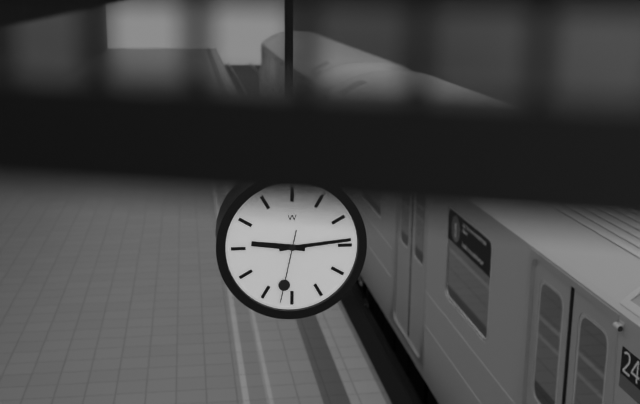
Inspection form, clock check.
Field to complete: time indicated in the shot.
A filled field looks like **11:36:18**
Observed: **9:14:32**
